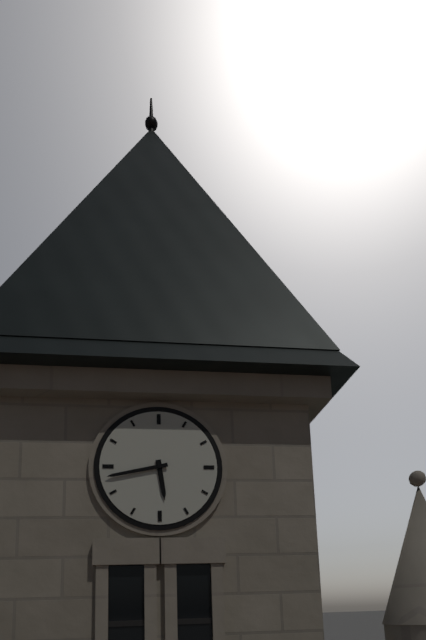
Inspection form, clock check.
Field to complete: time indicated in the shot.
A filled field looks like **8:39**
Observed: **5:43**
